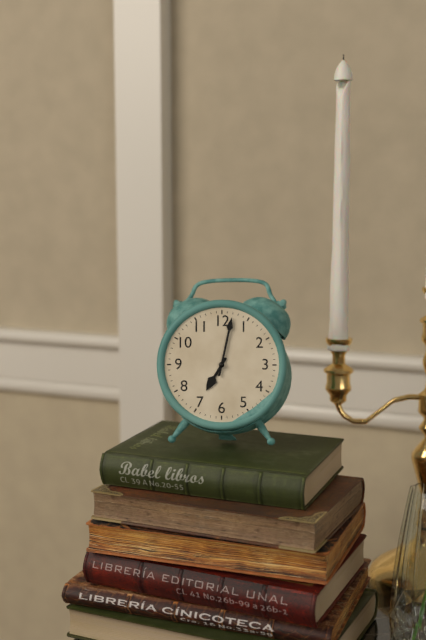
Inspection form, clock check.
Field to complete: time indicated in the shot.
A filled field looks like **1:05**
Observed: **7:02**
